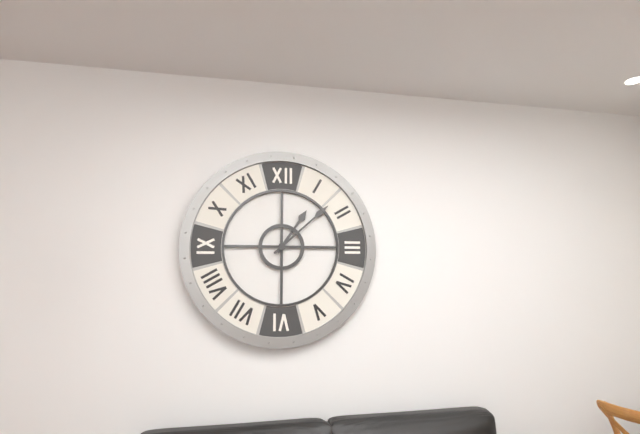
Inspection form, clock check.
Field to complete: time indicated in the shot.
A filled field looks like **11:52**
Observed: **1:08**
